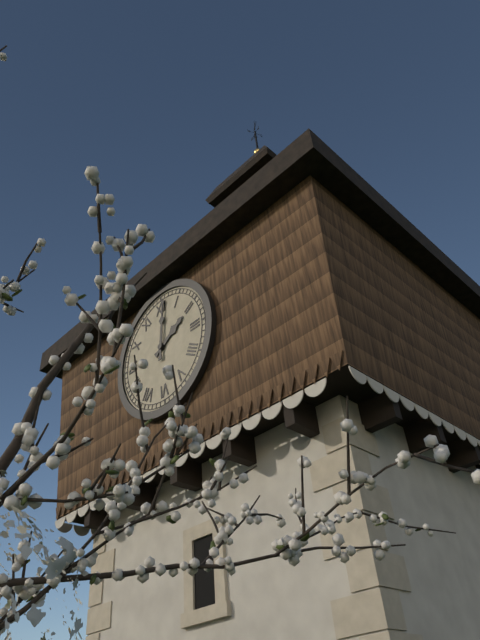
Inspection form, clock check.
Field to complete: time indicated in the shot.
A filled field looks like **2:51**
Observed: **2:01**
